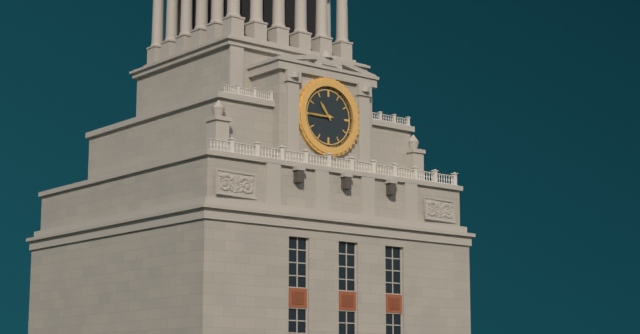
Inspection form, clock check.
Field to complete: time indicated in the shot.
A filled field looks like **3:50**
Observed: **10:45**
